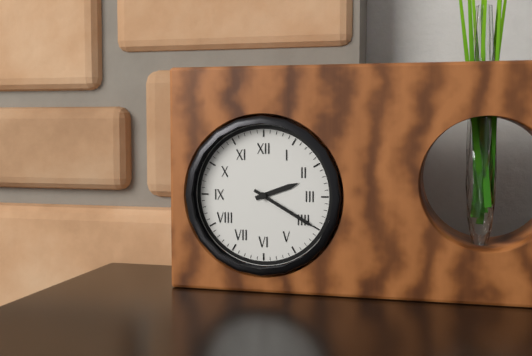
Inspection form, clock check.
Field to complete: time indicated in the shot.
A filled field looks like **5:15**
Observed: **2:20**
